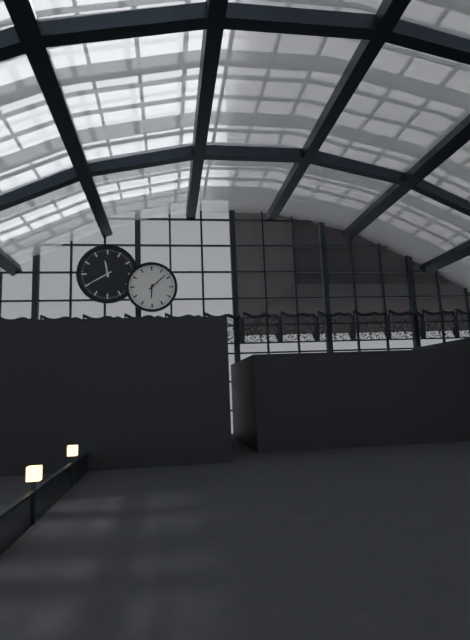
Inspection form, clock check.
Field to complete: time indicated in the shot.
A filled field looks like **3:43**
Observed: **6:08**
